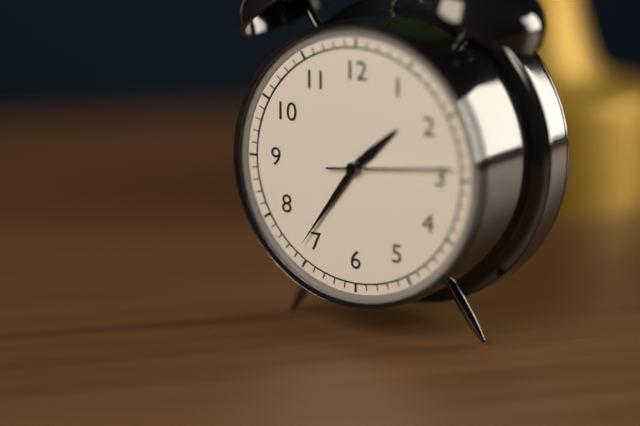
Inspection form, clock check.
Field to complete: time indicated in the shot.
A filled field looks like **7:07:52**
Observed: **1:36:14**
